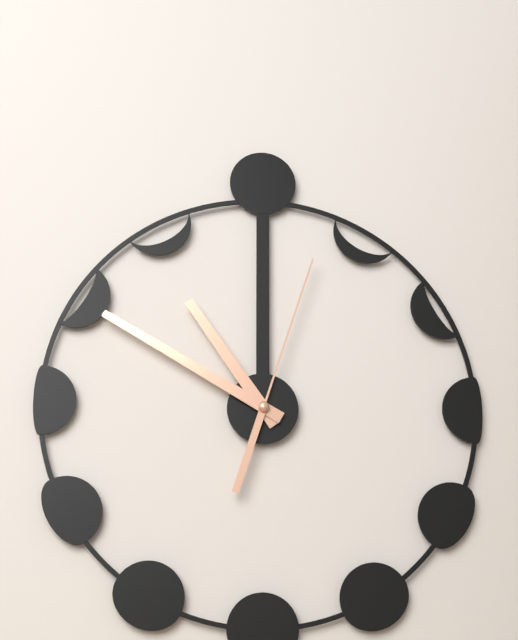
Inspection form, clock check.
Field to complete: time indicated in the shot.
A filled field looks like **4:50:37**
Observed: **10:50:03**
